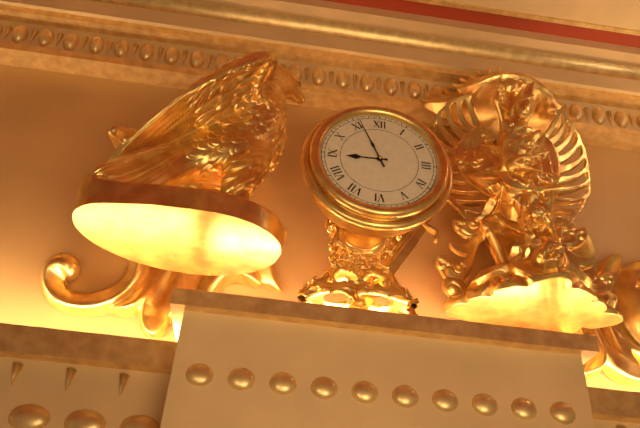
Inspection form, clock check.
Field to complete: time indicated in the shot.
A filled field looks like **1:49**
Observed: **8:56**
